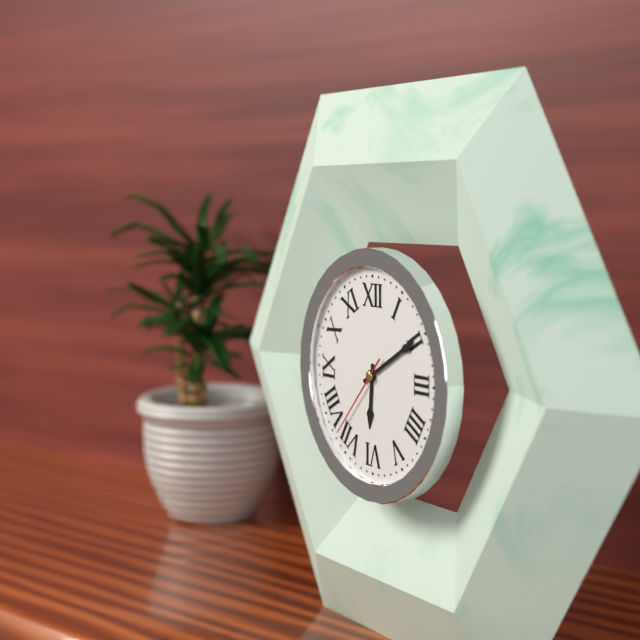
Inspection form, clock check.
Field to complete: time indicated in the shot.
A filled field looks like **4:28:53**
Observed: **6:10:37**
